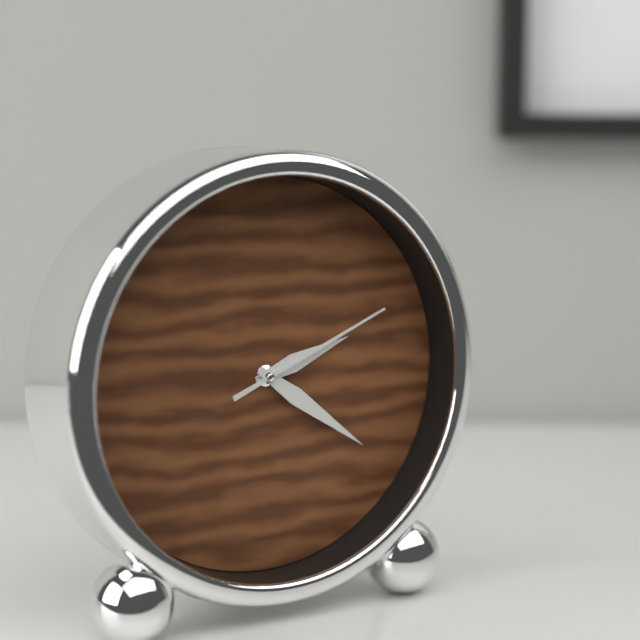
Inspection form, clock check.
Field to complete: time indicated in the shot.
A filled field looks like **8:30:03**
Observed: **2:21:11**
